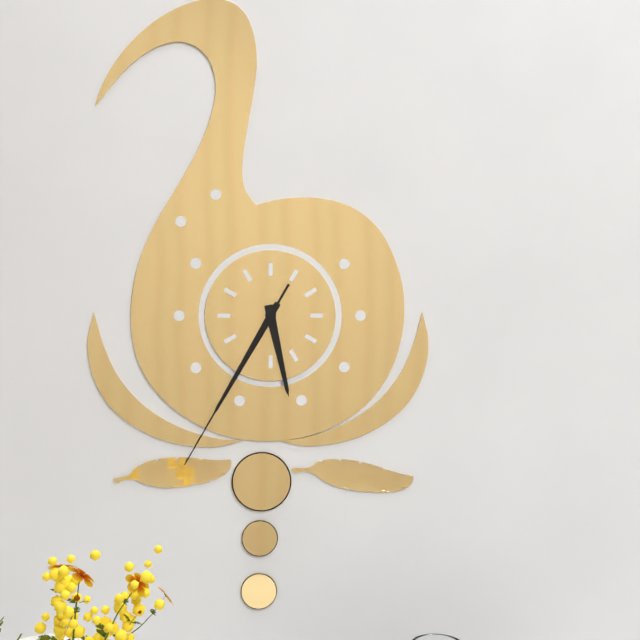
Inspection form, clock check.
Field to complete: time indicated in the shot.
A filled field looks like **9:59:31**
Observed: **5:35:35**
